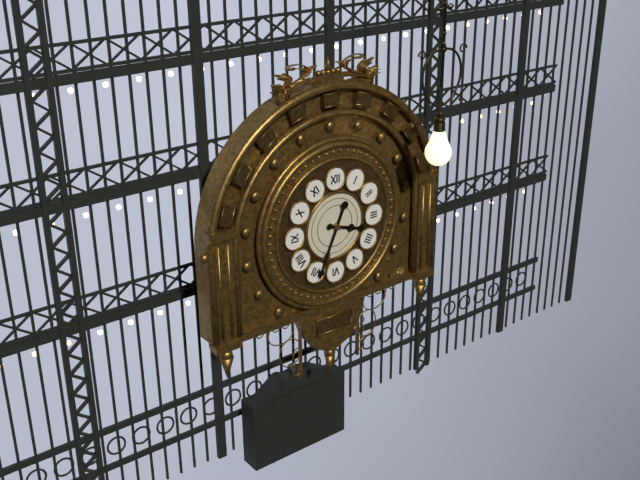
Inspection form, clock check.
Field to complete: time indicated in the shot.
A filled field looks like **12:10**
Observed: **3:34**
